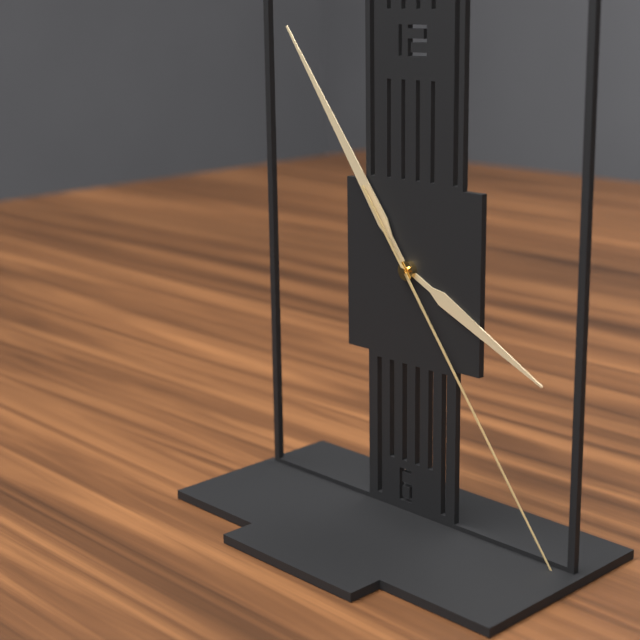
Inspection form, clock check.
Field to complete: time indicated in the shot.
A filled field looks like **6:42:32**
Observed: **3:54:24**
